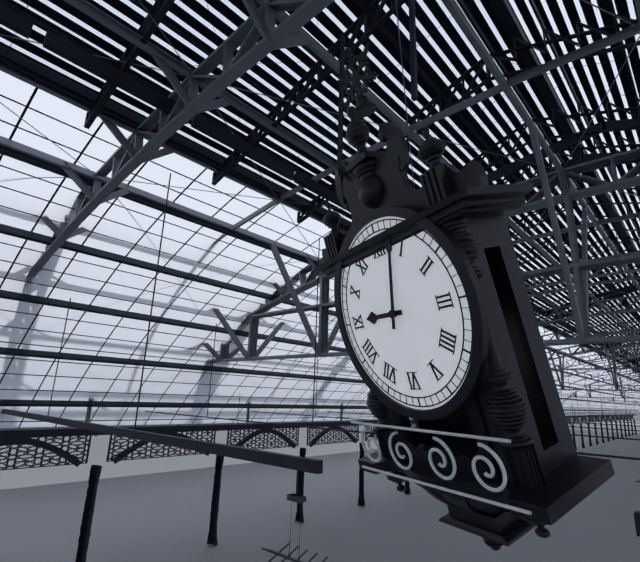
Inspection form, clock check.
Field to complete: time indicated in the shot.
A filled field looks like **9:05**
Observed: **9:03**
